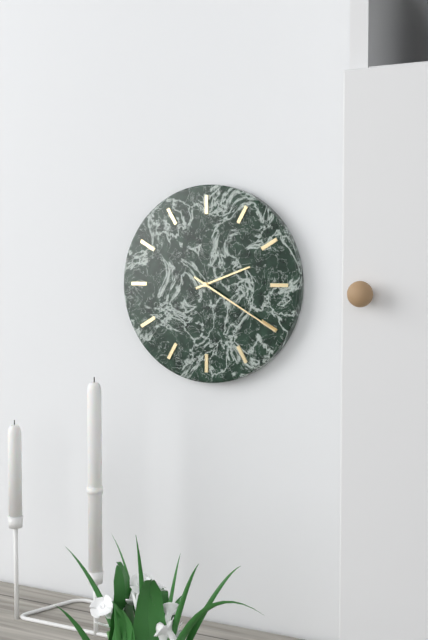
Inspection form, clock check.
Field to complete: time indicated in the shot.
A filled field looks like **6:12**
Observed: **2:20**
